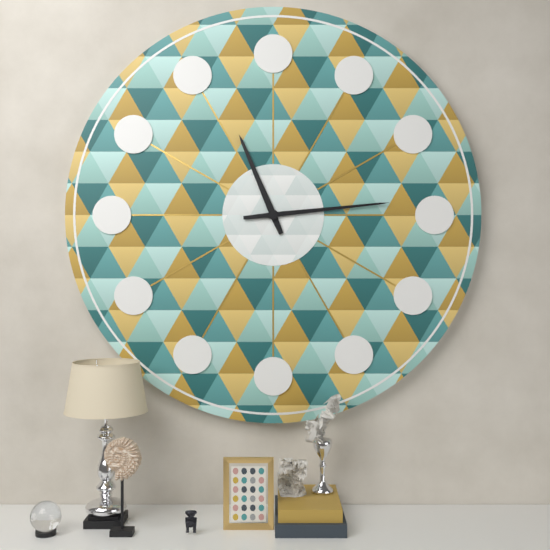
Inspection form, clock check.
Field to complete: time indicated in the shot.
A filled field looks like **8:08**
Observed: **11:14**
